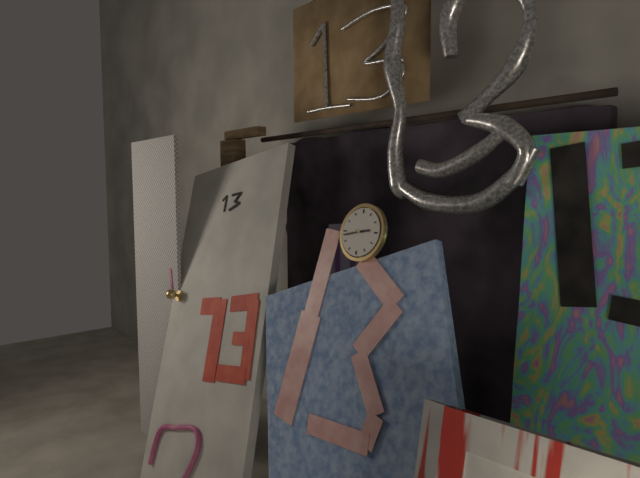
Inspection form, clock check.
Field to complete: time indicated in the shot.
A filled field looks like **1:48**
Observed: **2:43**
